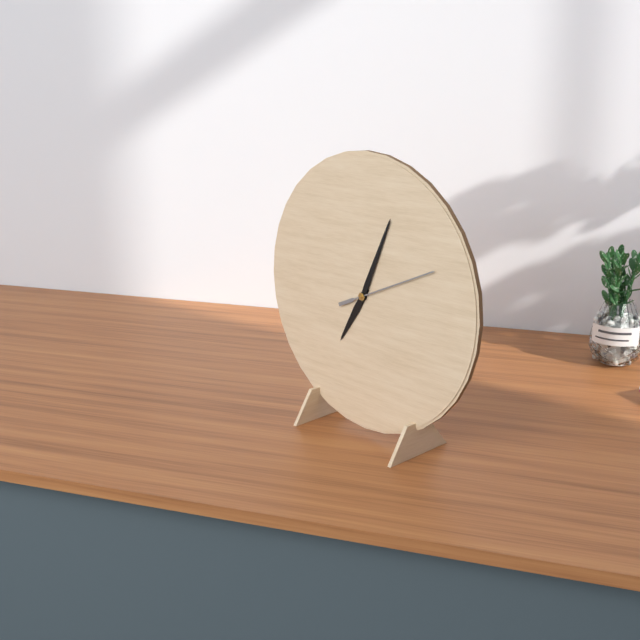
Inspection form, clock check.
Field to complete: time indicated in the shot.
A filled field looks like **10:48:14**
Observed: **7:04:11**
